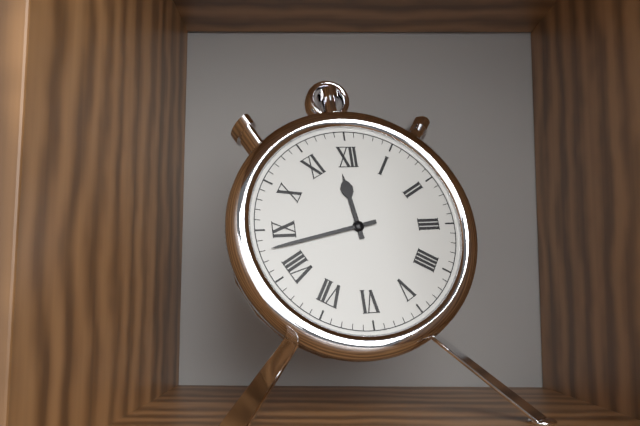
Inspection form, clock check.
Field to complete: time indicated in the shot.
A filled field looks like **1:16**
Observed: **11:43**
